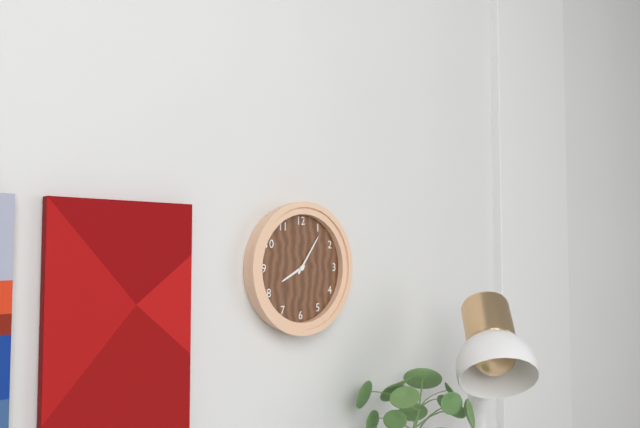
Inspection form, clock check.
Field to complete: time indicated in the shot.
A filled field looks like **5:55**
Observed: **8:06**
